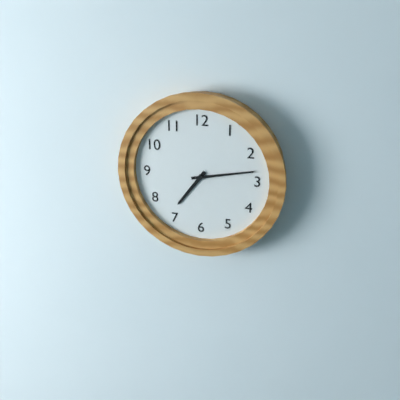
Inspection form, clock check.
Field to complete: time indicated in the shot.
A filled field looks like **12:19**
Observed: **7:13**
